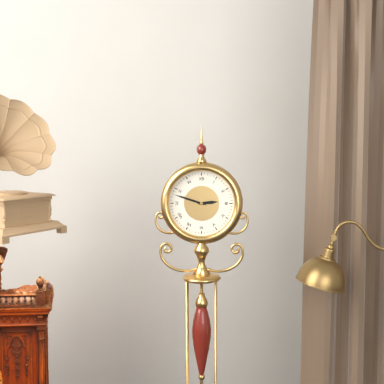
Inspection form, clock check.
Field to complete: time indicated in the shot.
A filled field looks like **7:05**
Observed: **2:48**
